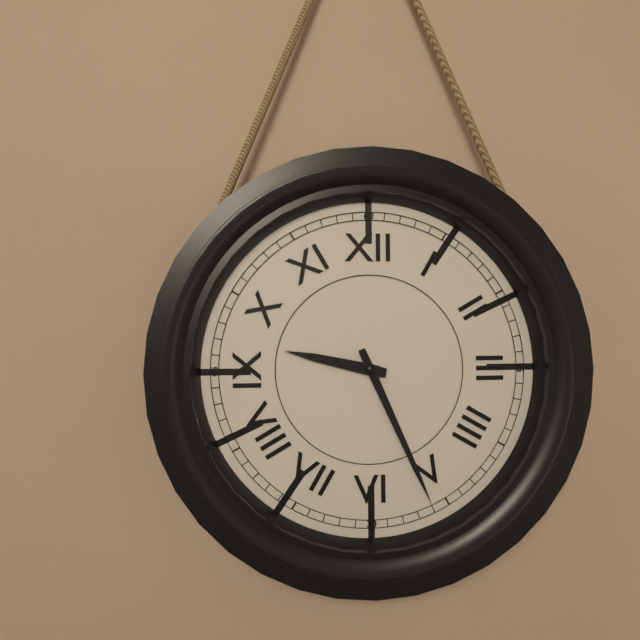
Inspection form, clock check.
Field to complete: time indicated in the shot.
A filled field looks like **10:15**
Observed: **9:26**
